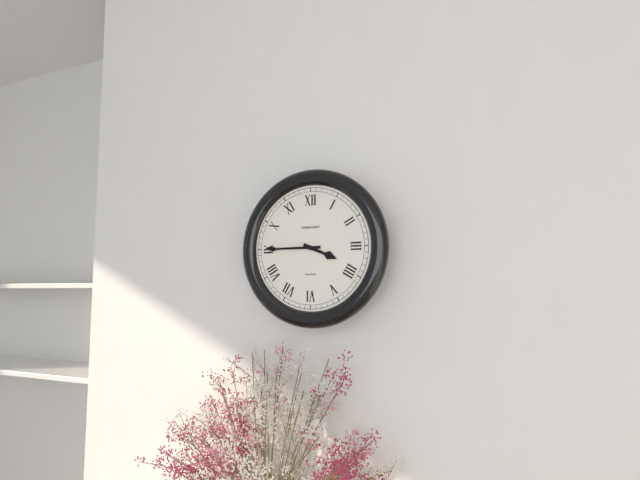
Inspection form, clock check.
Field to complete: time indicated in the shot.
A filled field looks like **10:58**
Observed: **3:45**
